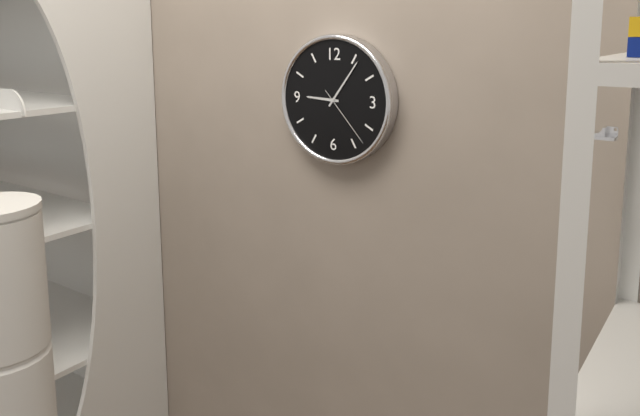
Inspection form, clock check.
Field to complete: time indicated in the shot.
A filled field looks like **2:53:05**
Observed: **9:06:23**
